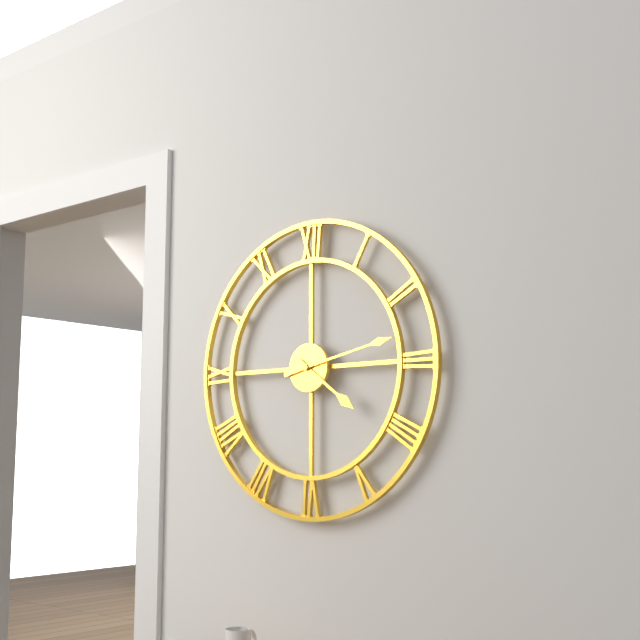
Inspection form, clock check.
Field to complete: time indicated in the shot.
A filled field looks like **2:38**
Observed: **4:13**
